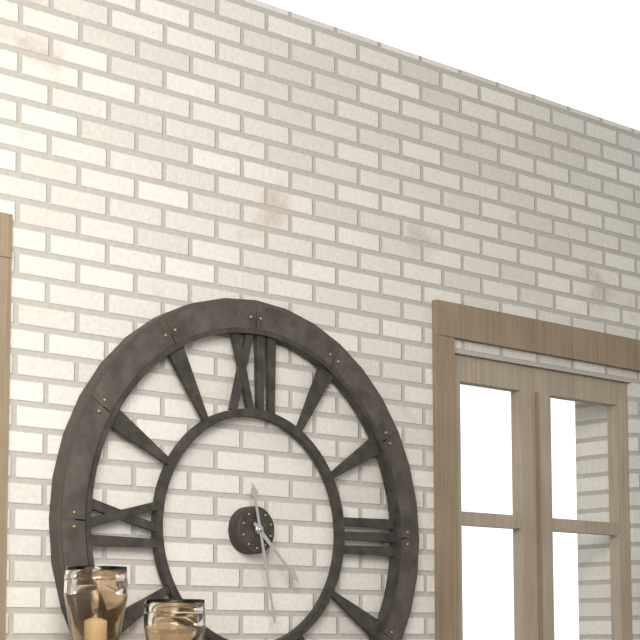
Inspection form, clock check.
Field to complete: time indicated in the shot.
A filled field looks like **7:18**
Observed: **4:28**
